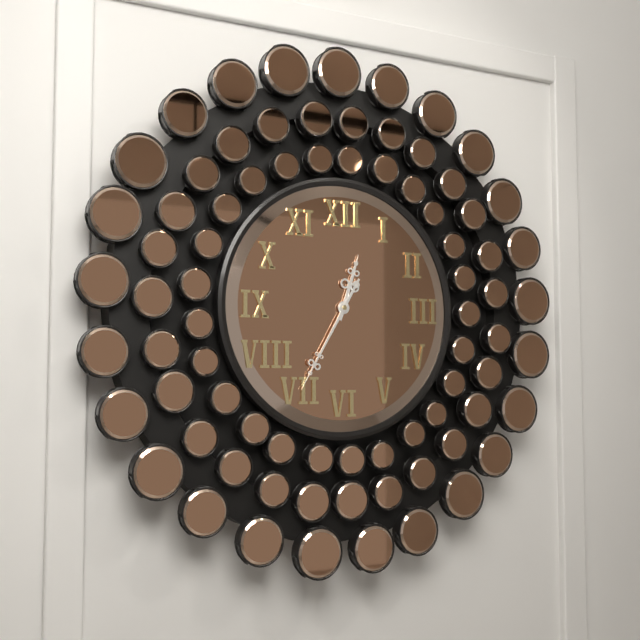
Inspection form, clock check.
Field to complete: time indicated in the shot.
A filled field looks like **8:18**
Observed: **12:35**
